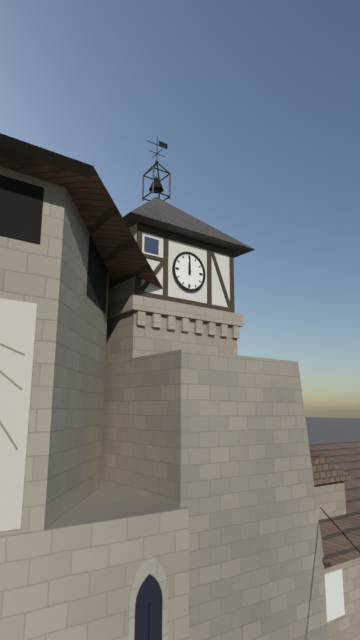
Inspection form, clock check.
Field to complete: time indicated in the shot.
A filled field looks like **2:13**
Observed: **12:00**
